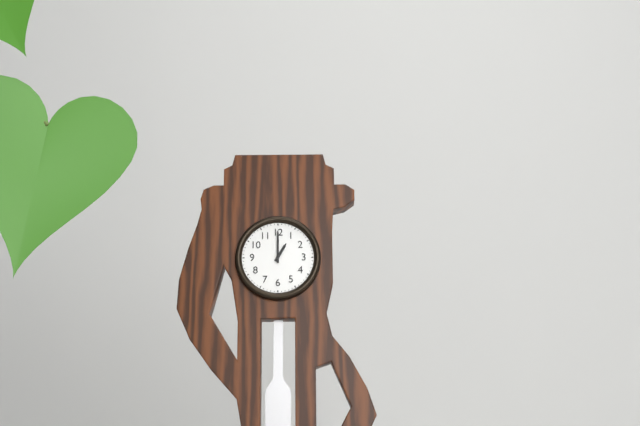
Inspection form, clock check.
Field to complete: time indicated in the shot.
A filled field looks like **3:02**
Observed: **1:00**
